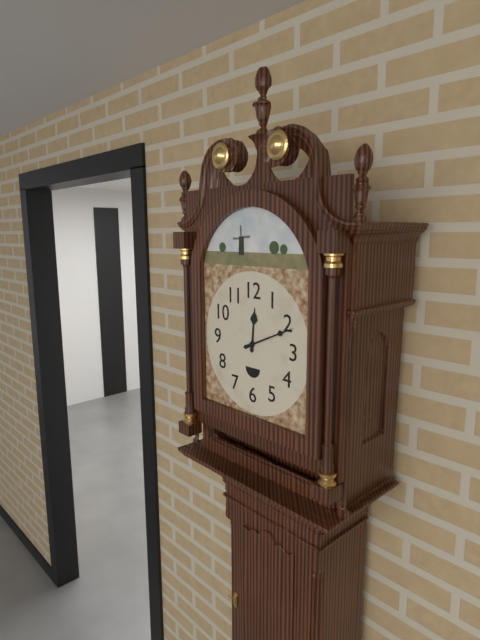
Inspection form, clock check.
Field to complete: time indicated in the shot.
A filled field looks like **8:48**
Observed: **12:11**
